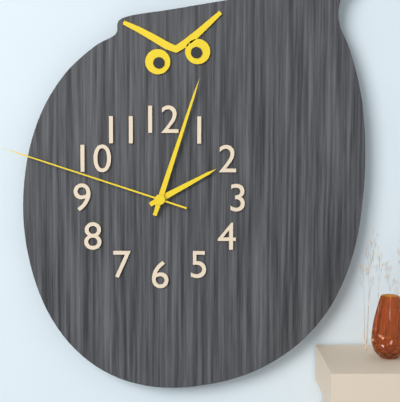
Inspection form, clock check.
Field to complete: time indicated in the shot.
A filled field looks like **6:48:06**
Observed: **2:03:48**
